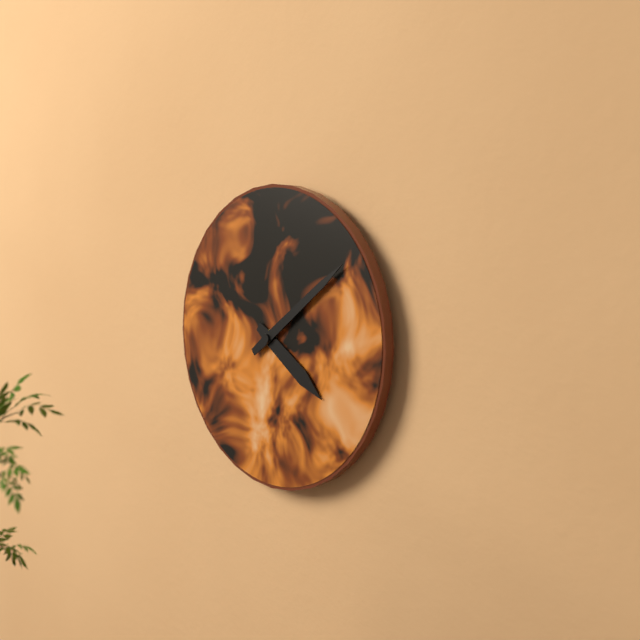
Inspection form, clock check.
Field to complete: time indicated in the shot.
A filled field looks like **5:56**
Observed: **4:09**
